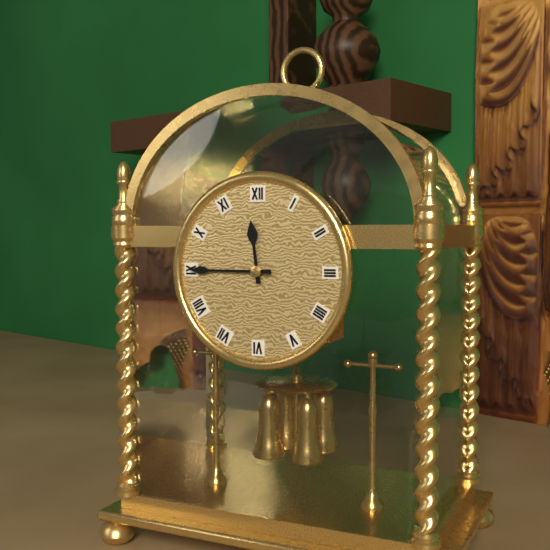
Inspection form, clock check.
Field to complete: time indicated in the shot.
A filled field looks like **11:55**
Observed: **11:45**
